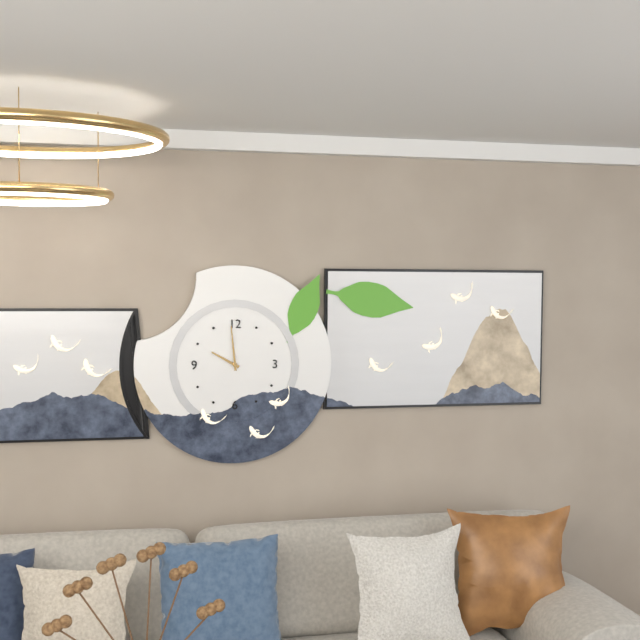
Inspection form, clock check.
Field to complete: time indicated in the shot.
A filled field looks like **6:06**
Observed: **9:59**
